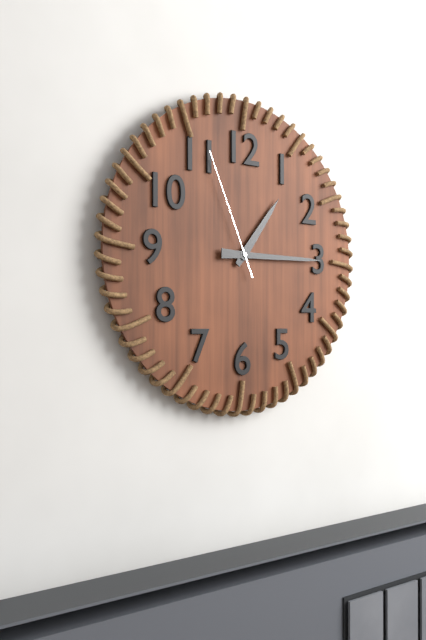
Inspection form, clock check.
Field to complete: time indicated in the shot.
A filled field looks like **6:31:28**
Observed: **1:15:56**
